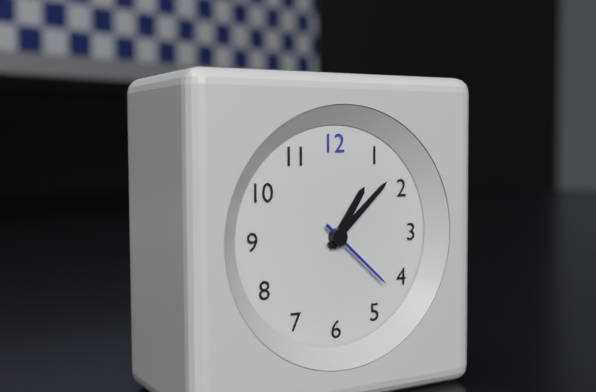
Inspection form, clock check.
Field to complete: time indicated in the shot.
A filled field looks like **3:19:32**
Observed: **1:08:22**
